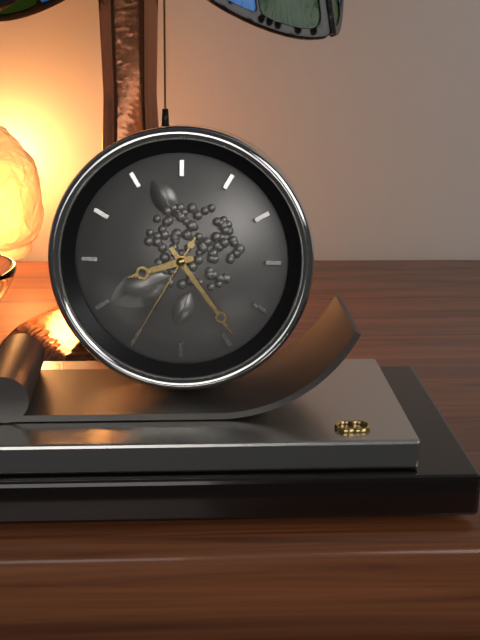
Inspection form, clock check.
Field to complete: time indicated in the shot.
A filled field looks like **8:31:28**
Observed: **8:24:35**
